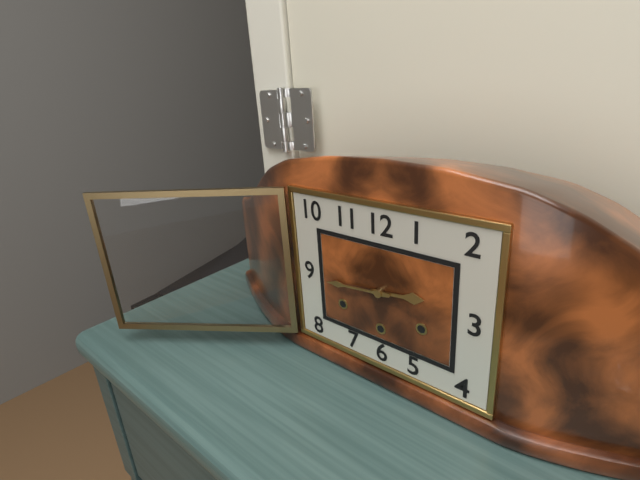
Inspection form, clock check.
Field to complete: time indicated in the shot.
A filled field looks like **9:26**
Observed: **2:44**
